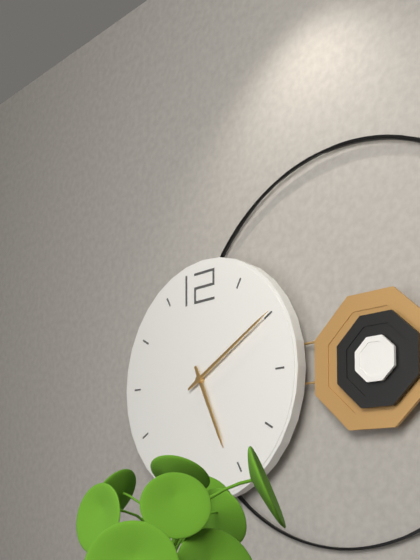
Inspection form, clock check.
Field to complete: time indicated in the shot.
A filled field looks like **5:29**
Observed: **5:10**
